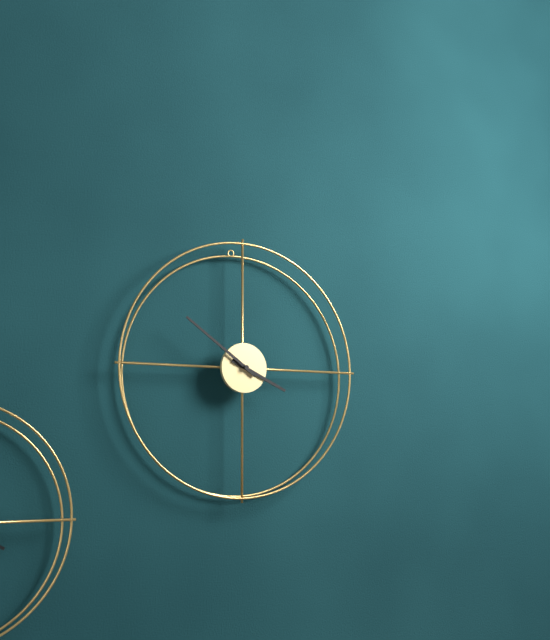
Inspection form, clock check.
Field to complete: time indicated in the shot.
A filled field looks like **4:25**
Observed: **3:51**
